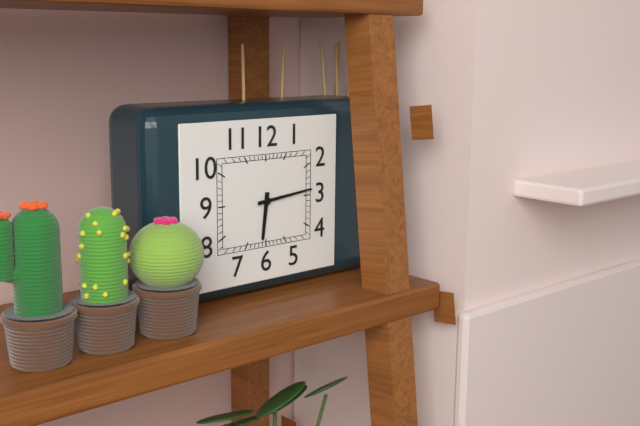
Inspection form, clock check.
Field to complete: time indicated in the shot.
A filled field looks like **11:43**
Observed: **6:14**
